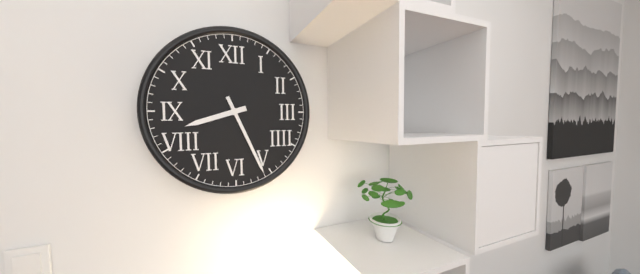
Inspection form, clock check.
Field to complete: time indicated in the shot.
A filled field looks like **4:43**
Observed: **8:26**
